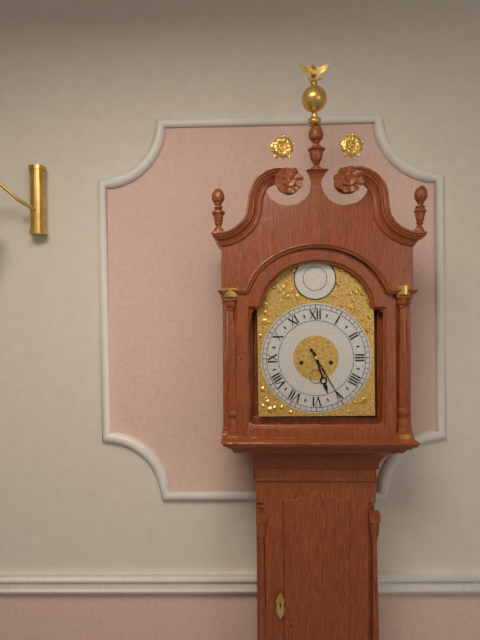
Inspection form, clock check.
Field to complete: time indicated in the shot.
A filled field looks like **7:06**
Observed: **5:25**
